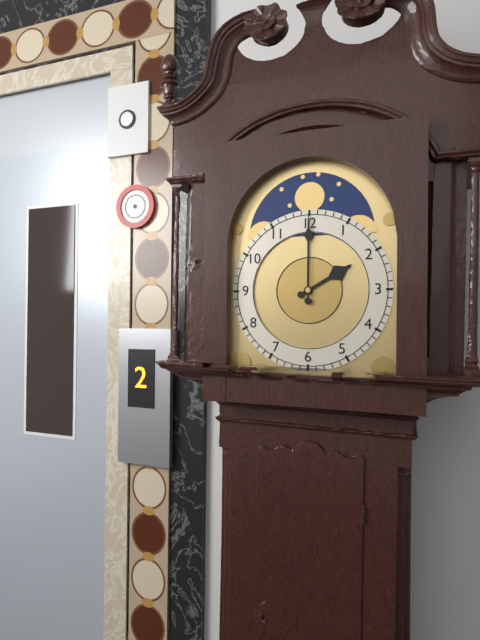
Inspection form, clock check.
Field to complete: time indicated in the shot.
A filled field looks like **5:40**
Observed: **2:00**
